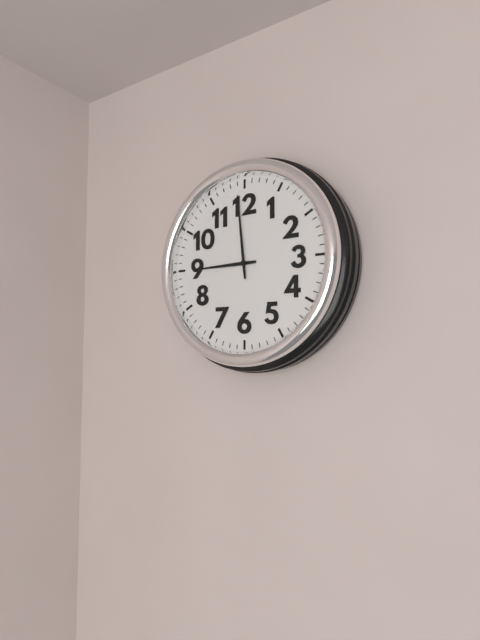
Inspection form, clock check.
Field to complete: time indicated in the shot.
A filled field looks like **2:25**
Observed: **8:59**
